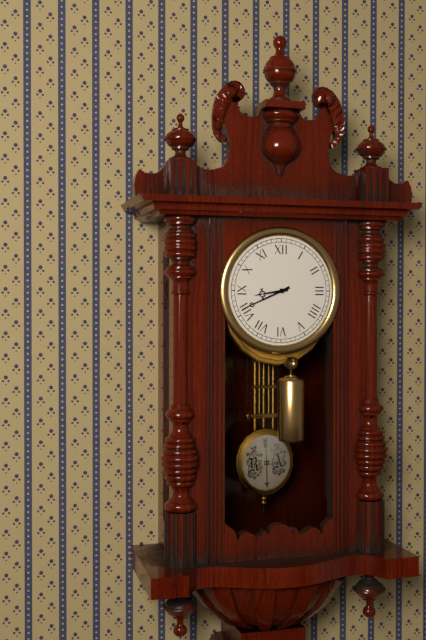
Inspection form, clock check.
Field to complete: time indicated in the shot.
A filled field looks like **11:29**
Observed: **8:41**
